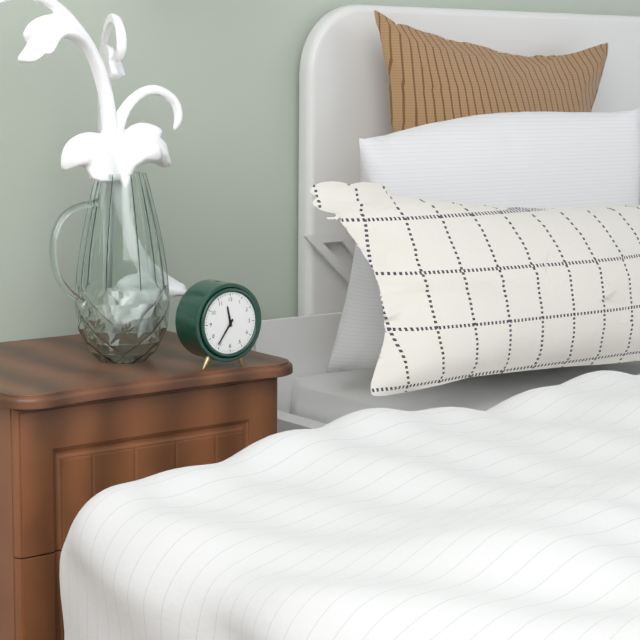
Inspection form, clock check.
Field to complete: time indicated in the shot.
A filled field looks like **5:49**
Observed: **11:36**
